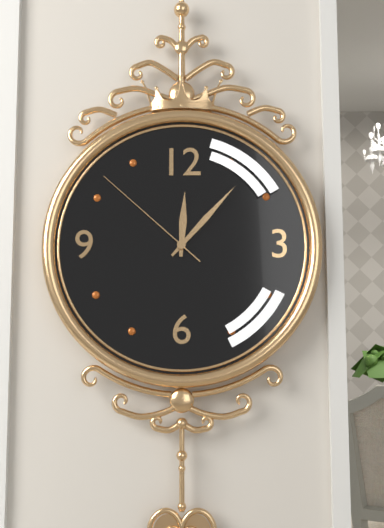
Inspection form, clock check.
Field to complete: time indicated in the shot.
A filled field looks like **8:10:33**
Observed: **12:07:52**
